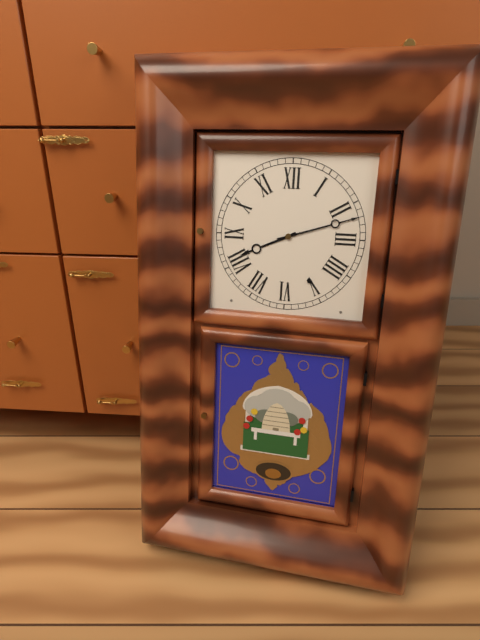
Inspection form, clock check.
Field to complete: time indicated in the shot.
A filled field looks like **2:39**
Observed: **8:12**
